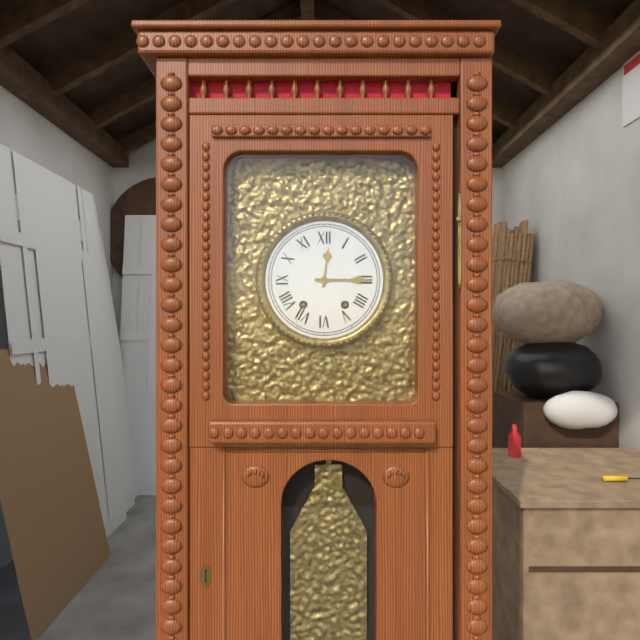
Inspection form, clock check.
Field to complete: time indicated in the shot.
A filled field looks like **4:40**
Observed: **12:15**
